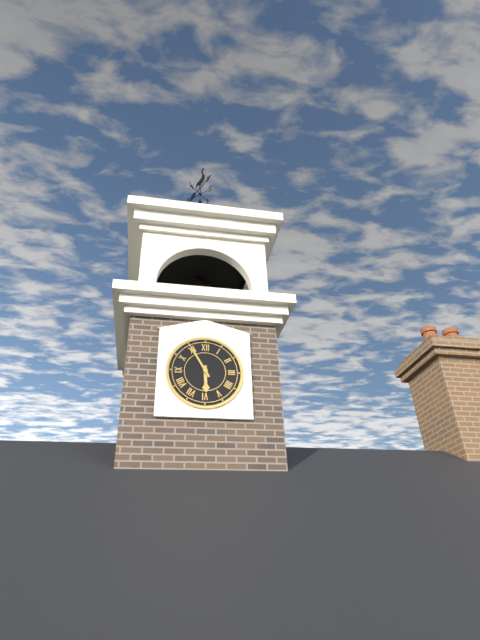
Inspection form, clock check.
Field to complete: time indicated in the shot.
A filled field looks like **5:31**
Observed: **5:55**
